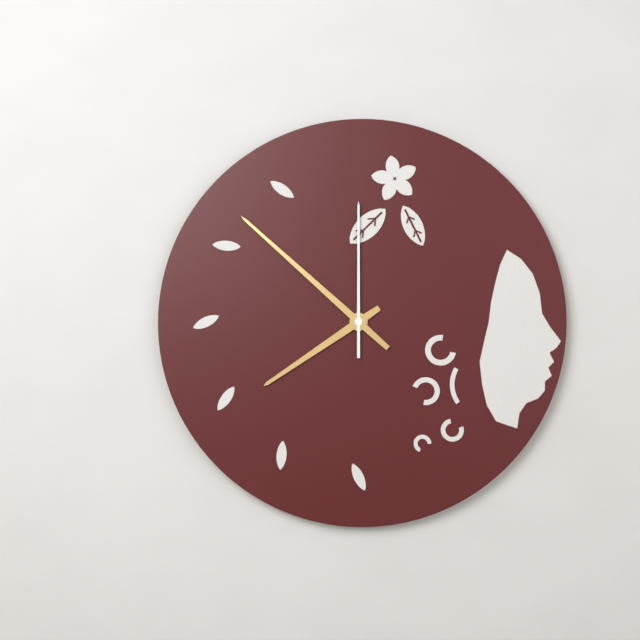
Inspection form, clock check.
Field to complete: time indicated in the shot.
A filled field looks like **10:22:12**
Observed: **7:52:00**
